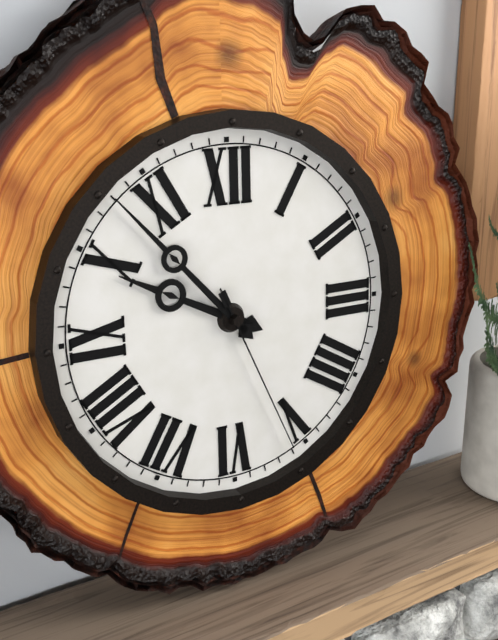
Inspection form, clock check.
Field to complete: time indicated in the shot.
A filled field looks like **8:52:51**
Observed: **9:53:26**
